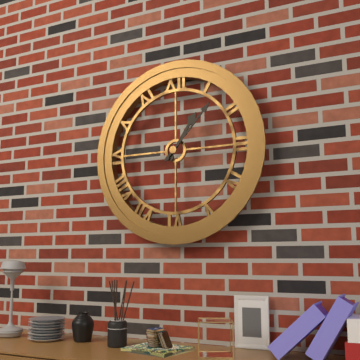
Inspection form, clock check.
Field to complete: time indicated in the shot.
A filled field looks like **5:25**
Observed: **1:07**
